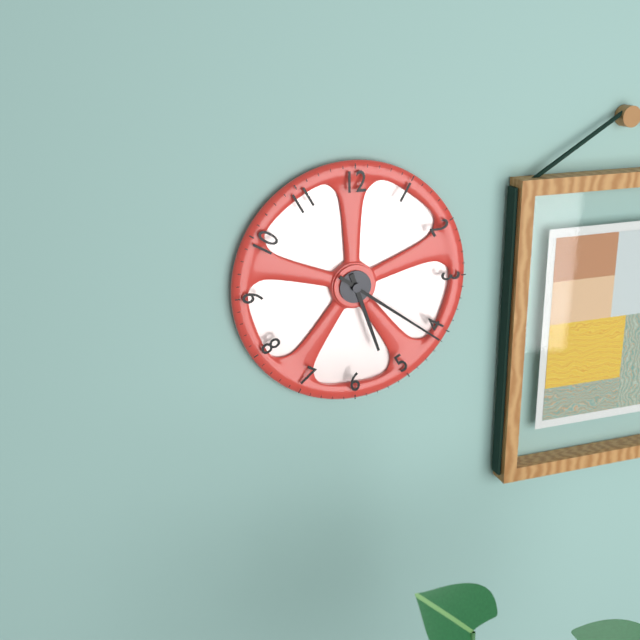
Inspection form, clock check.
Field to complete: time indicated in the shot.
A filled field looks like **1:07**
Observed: **5:21**
